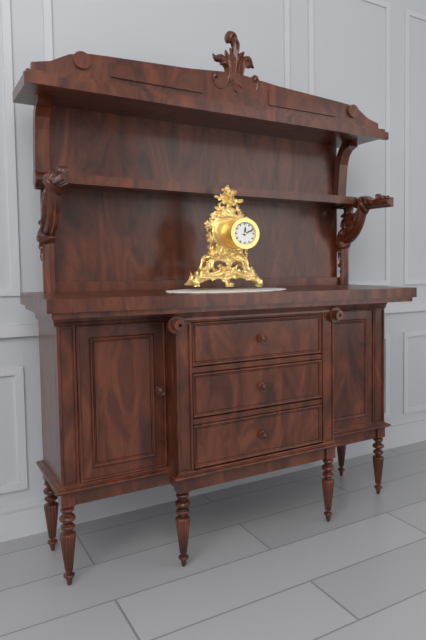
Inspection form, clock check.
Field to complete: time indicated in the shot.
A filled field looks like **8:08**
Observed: **12:11**
